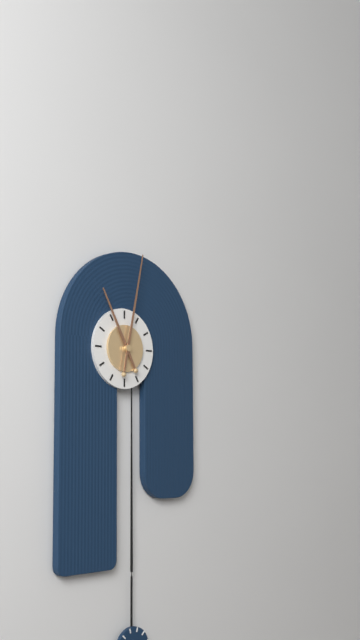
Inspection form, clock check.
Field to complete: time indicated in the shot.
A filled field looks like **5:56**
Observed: **11:02**
